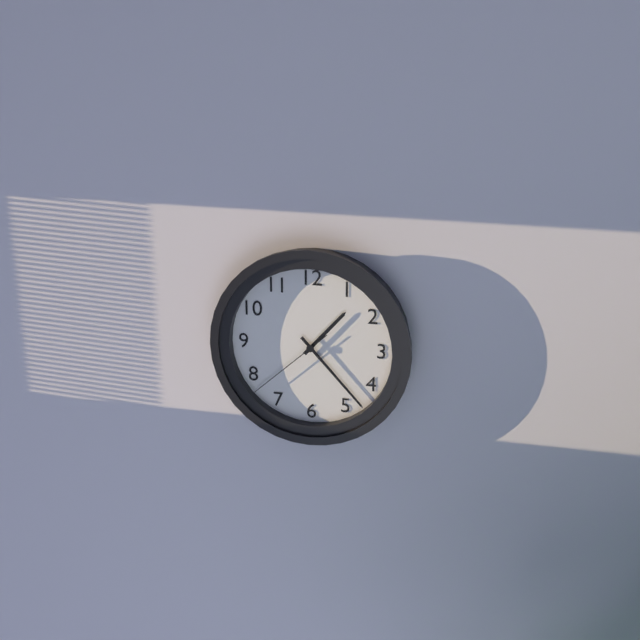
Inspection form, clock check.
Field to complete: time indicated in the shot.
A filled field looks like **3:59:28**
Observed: **1:23:38**
